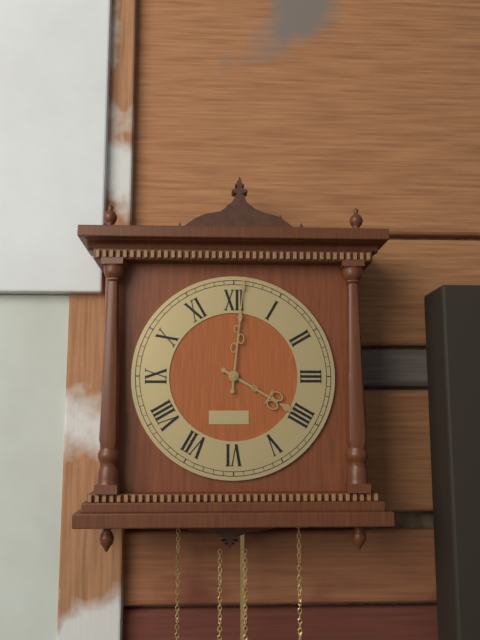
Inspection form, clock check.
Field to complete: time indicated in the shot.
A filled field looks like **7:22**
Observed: **4:01**
